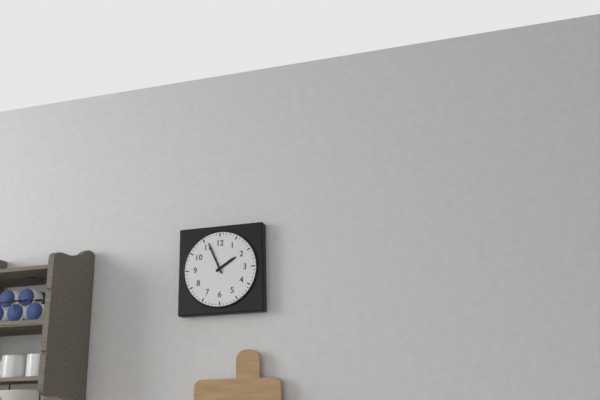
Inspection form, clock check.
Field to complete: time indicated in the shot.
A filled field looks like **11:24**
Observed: **1:56**
